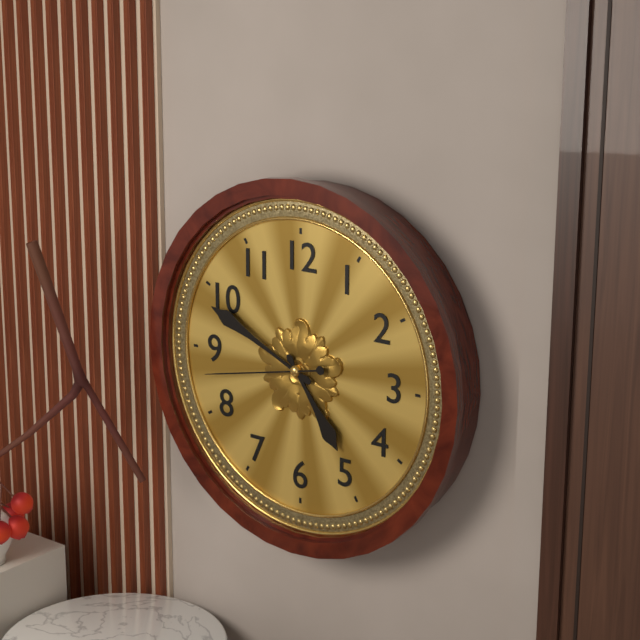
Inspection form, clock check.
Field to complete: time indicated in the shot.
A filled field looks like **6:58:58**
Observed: **4:49:43**
